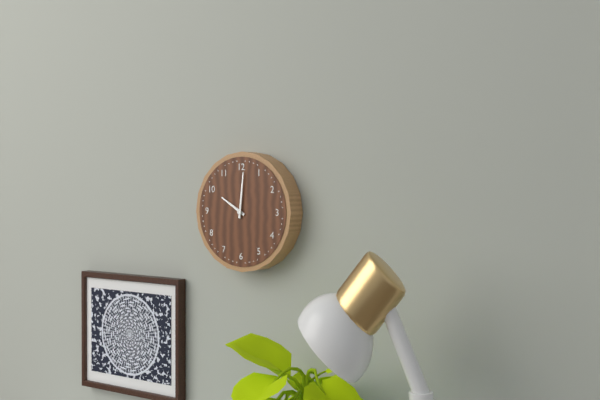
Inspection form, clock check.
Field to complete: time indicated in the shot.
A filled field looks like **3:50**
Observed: **10:01**
